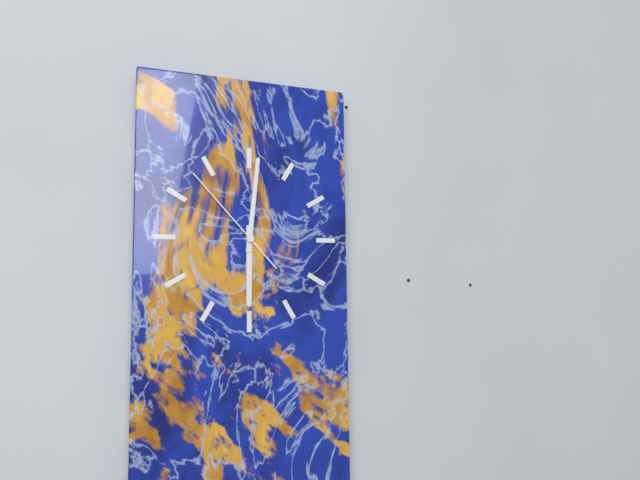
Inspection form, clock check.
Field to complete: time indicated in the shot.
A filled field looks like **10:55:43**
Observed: **6:01:53**
